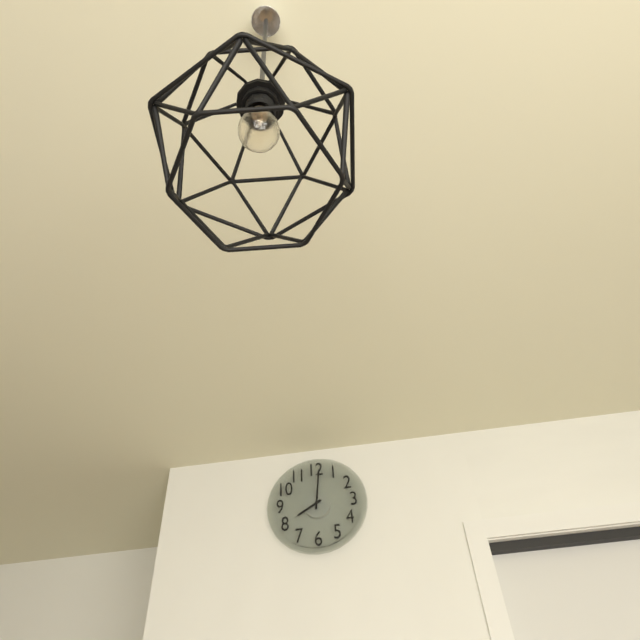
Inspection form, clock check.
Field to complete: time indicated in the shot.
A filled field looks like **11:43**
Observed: **8:01**
